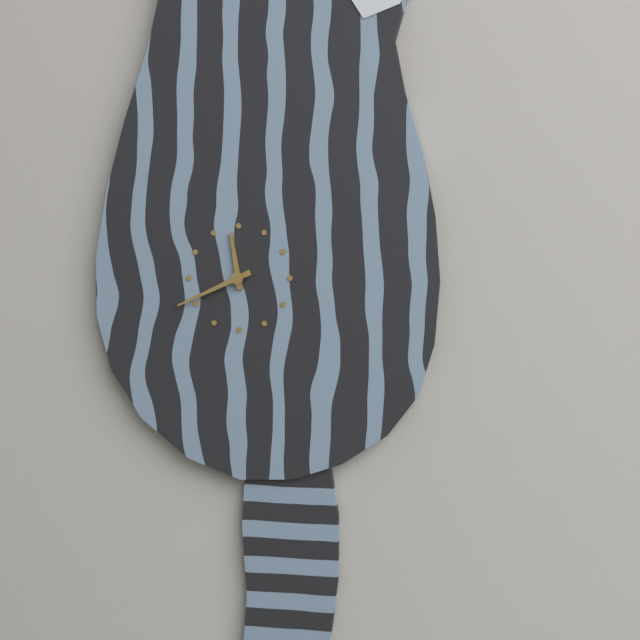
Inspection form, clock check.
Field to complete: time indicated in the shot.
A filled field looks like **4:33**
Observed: **11:41**
